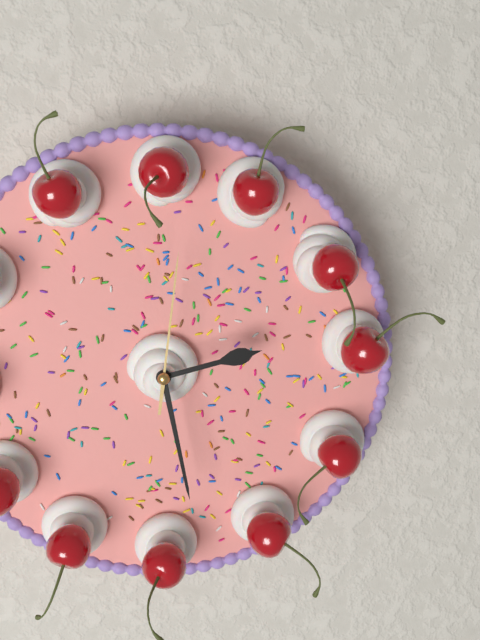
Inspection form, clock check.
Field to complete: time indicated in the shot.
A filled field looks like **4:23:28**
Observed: **2:28:01**
